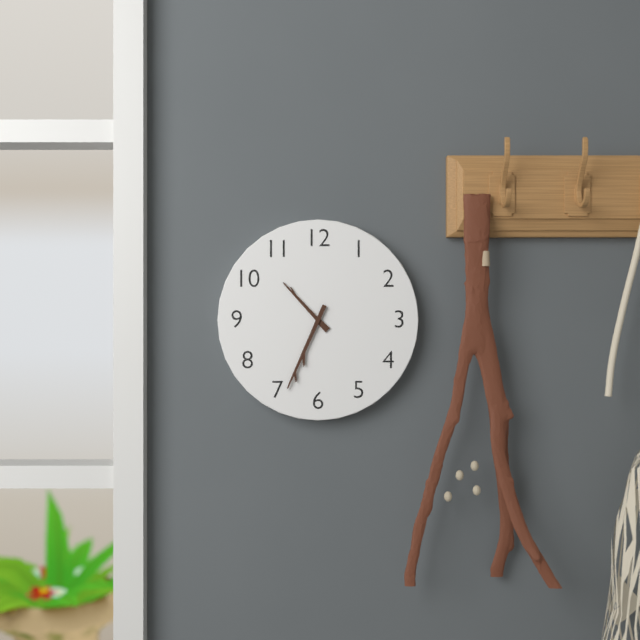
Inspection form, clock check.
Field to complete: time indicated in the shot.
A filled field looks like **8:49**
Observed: **10:34**
